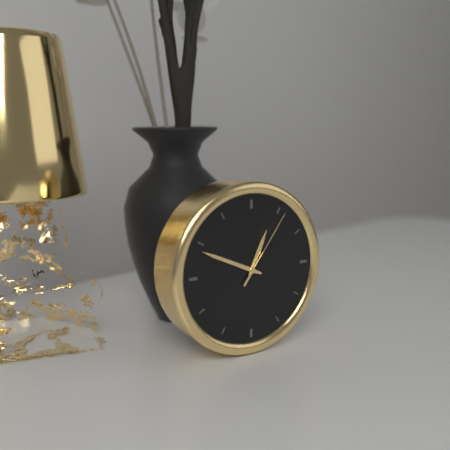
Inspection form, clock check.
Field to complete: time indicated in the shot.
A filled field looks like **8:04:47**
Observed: **12:49:06**
